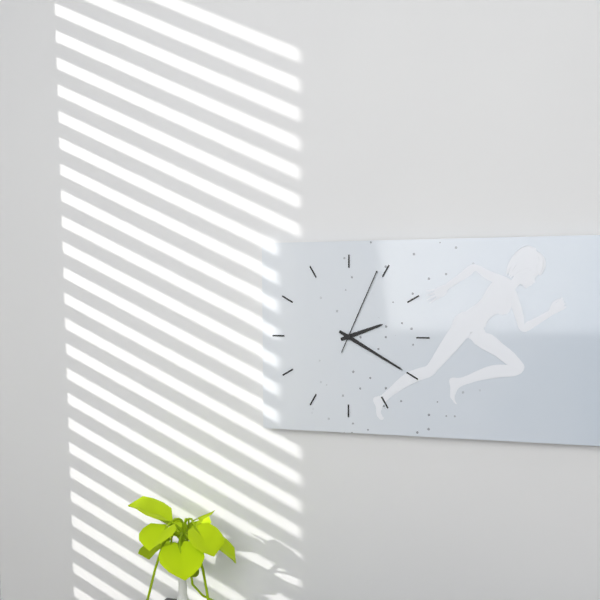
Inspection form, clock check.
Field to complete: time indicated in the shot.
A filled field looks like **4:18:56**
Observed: **2:20:04**
